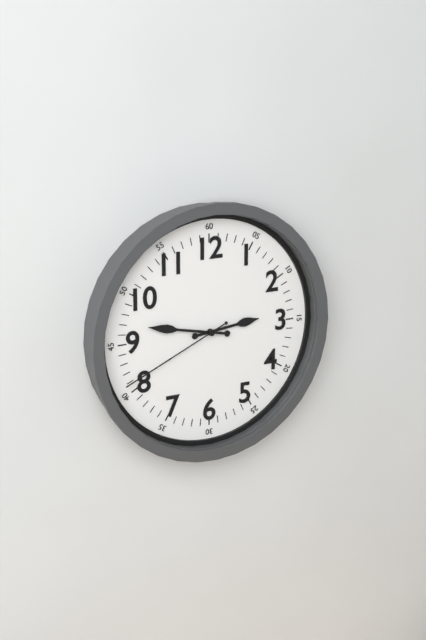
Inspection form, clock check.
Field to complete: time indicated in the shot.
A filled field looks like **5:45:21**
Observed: **2:47:41**
